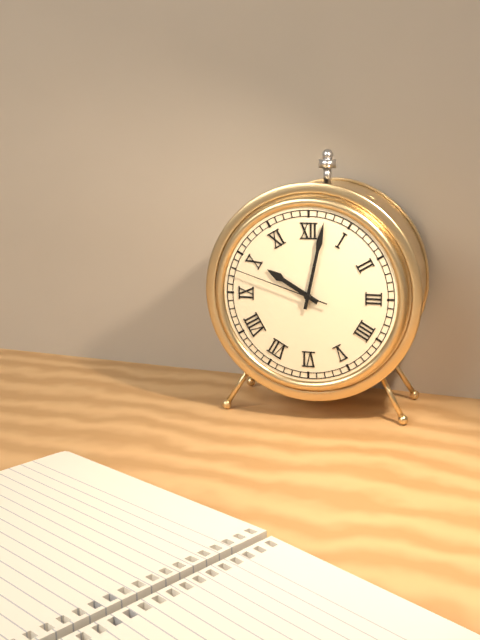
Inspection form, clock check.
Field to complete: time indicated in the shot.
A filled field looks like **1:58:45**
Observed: **10:02:48**
